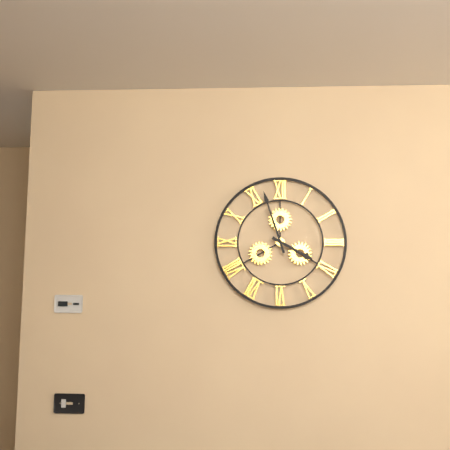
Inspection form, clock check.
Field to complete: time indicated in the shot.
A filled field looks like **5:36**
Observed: **3:57**
